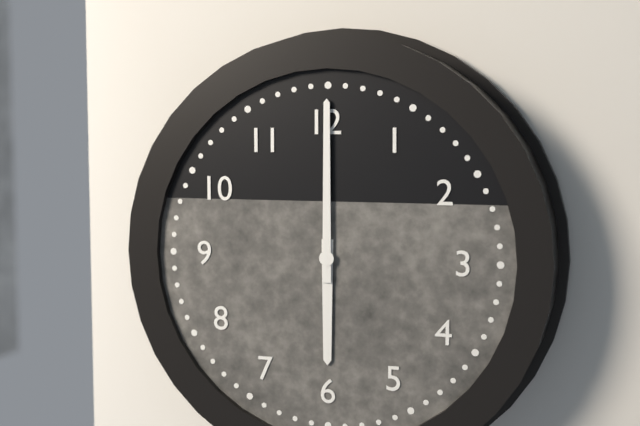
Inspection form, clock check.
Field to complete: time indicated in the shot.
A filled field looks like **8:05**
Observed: **6:00**
